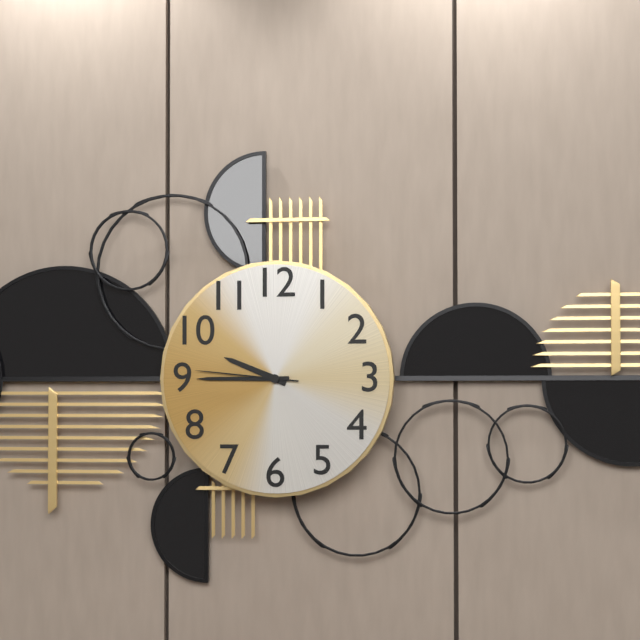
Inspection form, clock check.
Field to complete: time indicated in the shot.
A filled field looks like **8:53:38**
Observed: **9:45:46**
